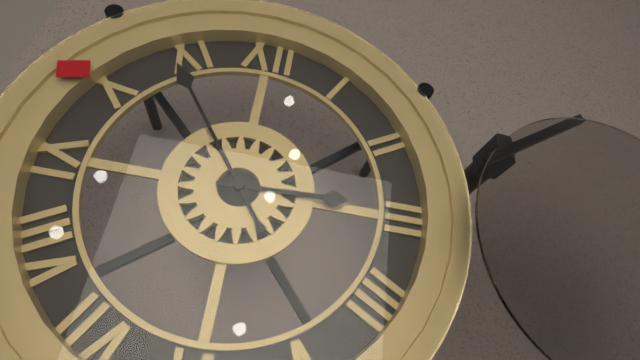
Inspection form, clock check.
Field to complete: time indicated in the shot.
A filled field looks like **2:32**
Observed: **2:54**
